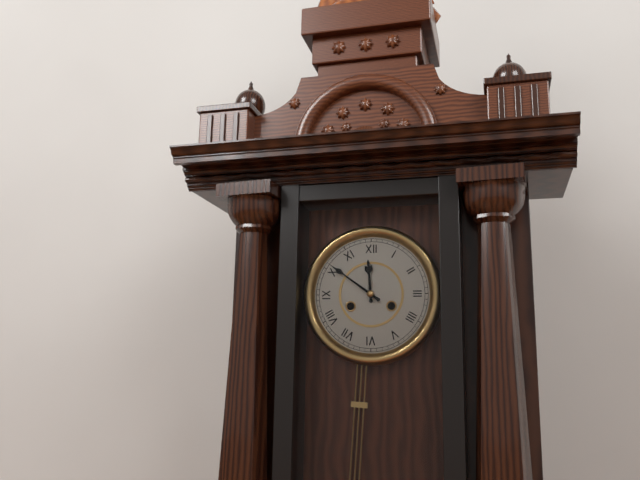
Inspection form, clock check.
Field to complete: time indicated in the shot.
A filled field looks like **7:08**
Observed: **11:51**
